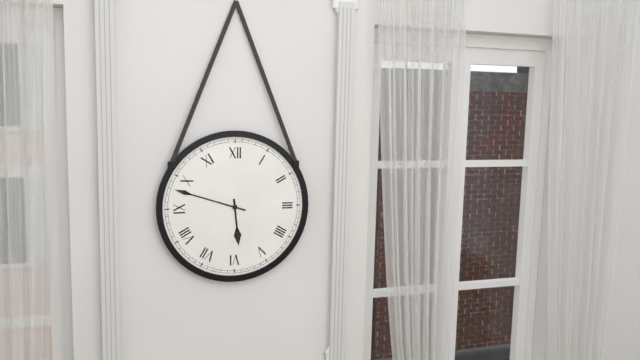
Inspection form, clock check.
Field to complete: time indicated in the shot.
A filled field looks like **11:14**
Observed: **5:48**
